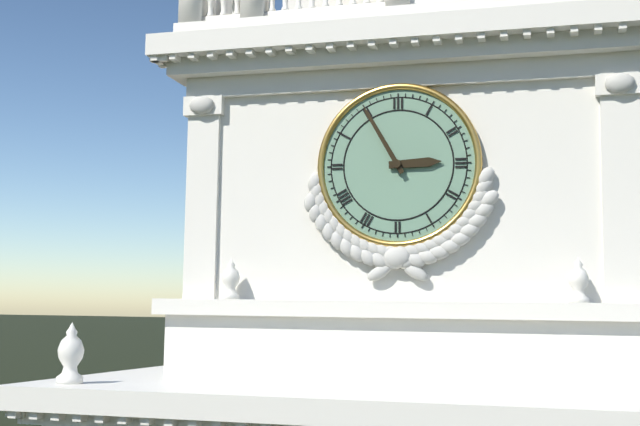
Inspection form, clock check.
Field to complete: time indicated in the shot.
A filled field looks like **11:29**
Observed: **2:55**
